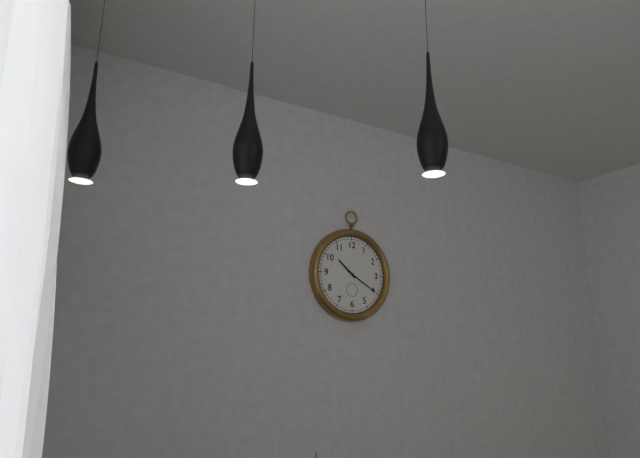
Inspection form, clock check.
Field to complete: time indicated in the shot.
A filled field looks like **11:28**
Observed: **10:20**
